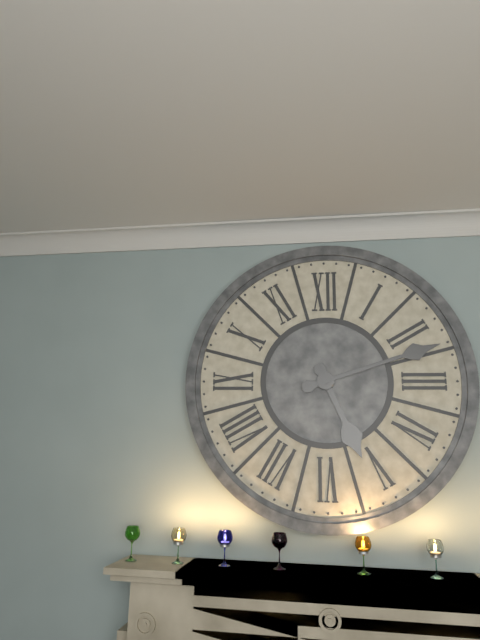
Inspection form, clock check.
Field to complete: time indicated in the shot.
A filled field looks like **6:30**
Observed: **5:12**
